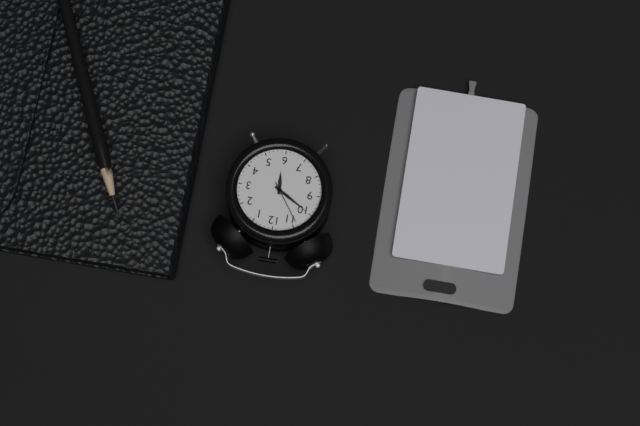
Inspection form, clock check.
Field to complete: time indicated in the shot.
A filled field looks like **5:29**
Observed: **5:50**
